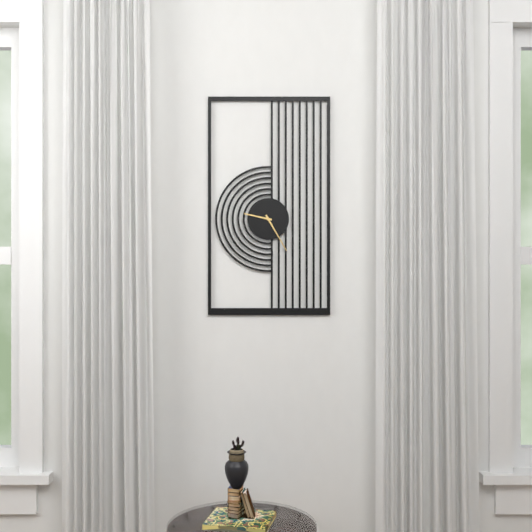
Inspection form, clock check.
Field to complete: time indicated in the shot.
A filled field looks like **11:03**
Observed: **9:25**
